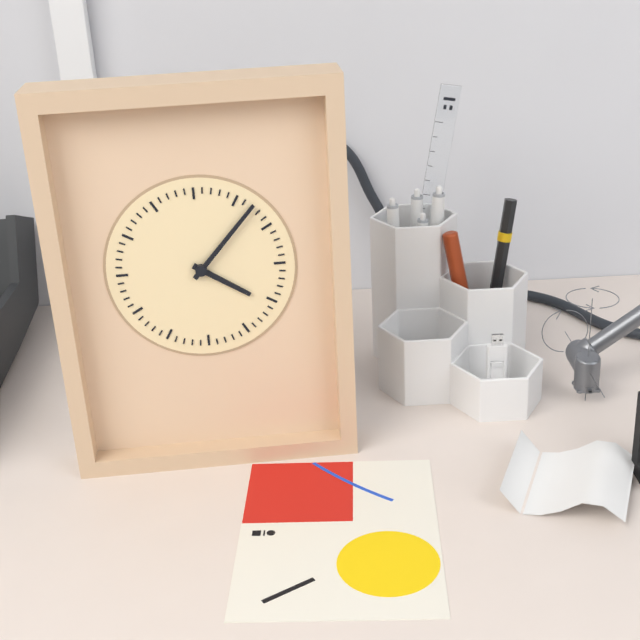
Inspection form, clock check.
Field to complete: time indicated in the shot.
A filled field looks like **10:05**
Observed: **4:07**
